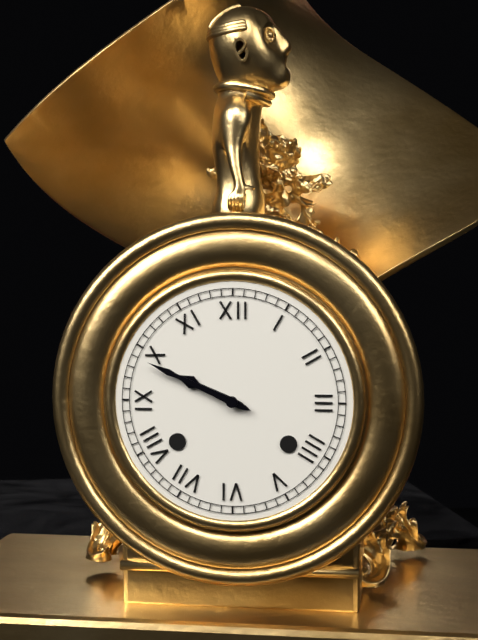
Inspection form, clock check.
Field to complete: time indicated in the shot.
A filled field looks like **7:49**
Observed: **9:49**
